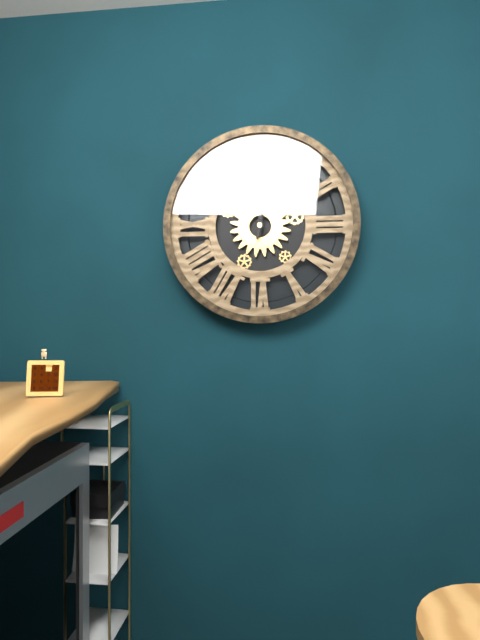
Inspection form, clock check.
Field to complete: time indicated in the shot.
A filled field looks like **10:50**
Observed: **12:02**
